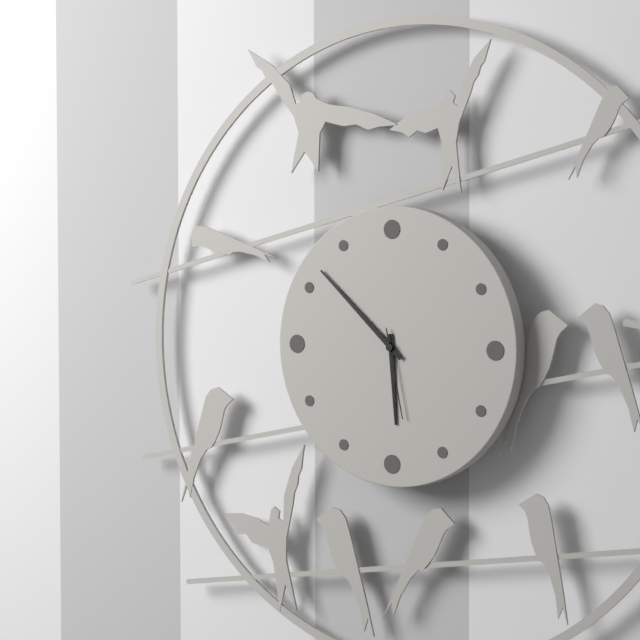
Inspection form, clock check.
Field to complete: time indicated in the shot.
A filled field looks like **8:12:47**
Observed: **5:52:28**
